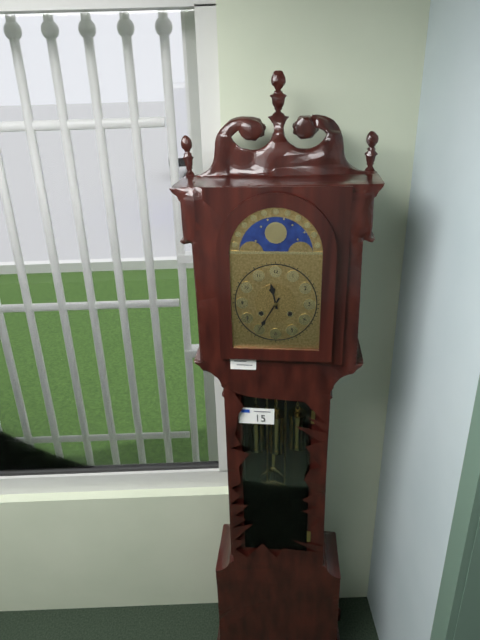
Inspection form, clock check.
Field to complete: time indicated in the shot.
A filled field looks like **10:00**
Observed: **11:35**
